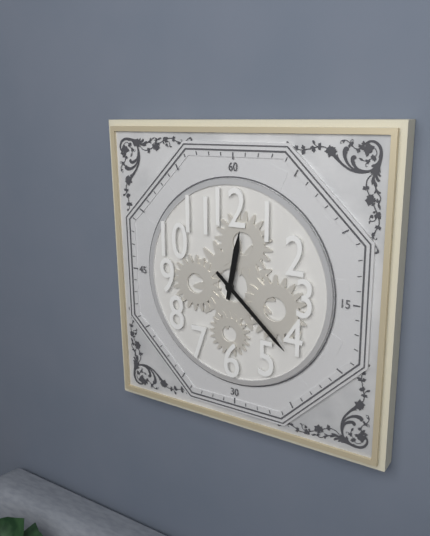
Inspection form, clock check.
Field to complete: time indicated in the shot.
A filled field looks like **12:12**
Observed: **12:22**
